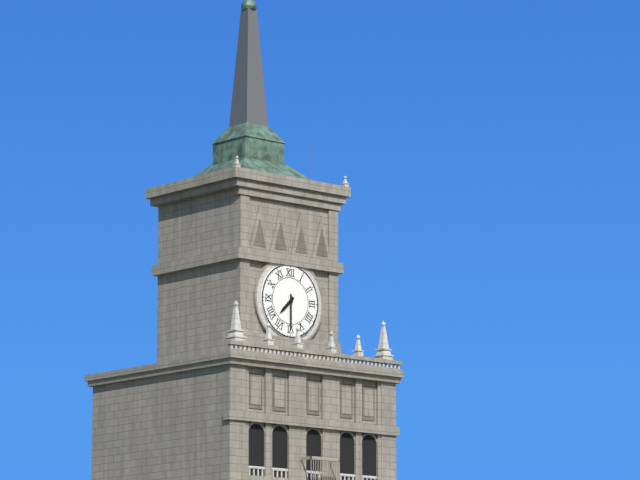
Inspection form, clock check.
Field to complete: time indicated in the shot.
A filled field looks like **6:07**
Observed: **7:30**
